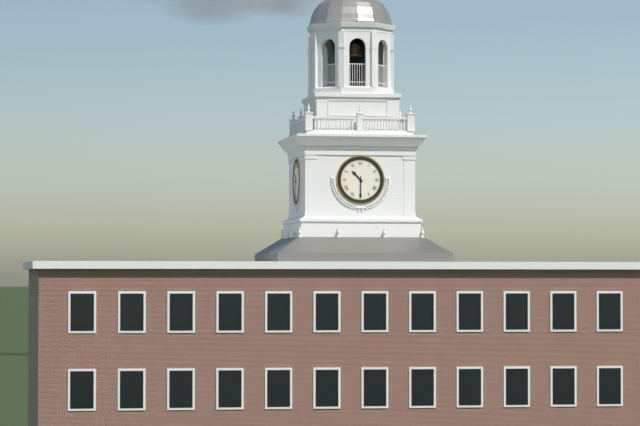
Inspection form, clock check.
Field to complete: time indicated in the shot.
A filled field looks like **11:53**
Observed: **10:30**
